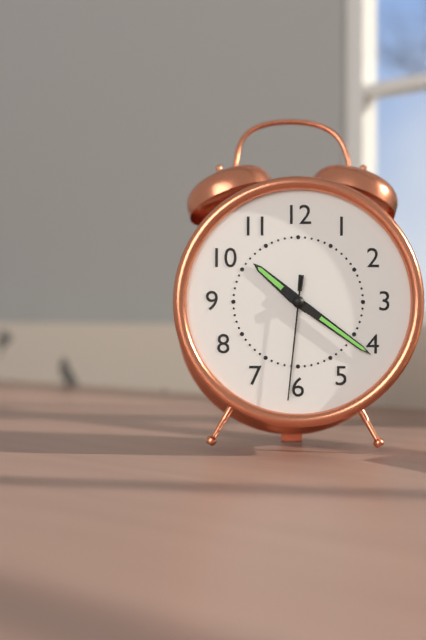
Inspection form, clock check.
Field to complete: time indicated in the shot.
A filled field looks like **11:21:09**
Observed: **10:21:31**
